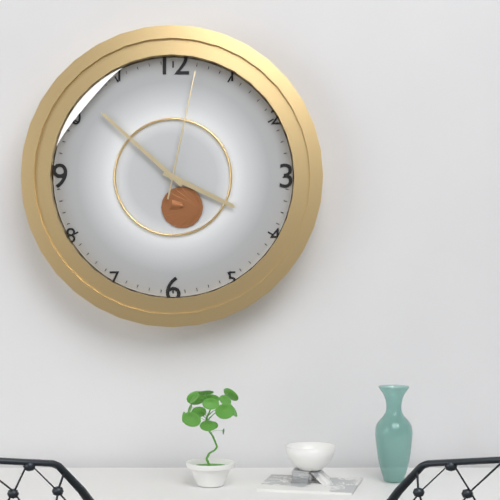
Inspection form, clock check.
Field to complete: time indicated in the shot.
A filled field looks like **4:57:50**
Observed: **3:52:02**
